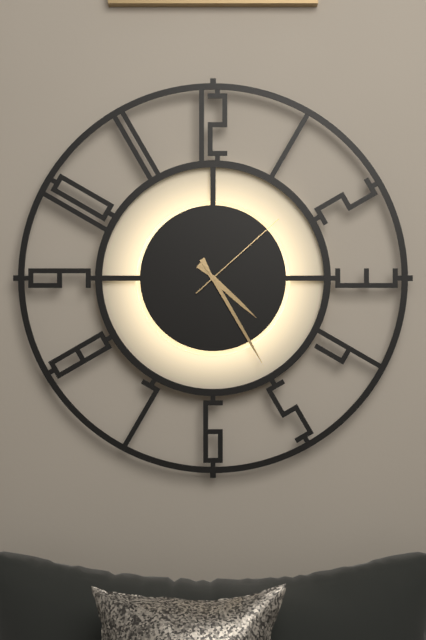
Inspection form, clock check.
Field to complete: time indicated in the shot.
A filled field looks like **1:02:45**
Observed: **4:25:08**
